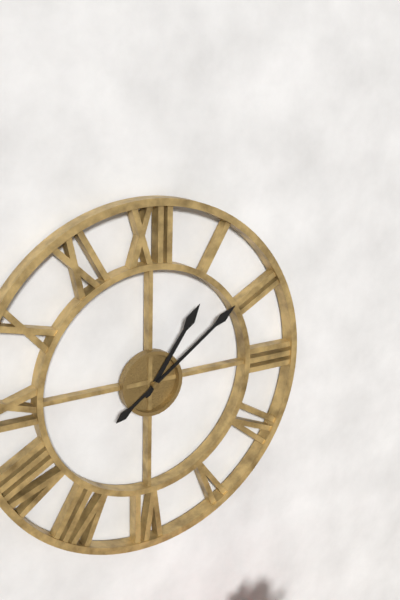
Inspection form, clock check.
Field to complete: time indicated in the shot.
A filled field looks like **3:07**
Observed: **1:09**
